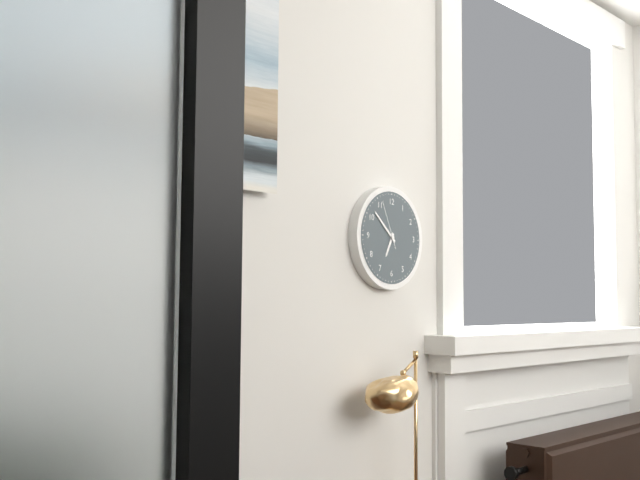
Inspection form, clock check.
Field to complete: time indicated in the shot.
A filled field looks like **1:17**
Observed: **6:52**
